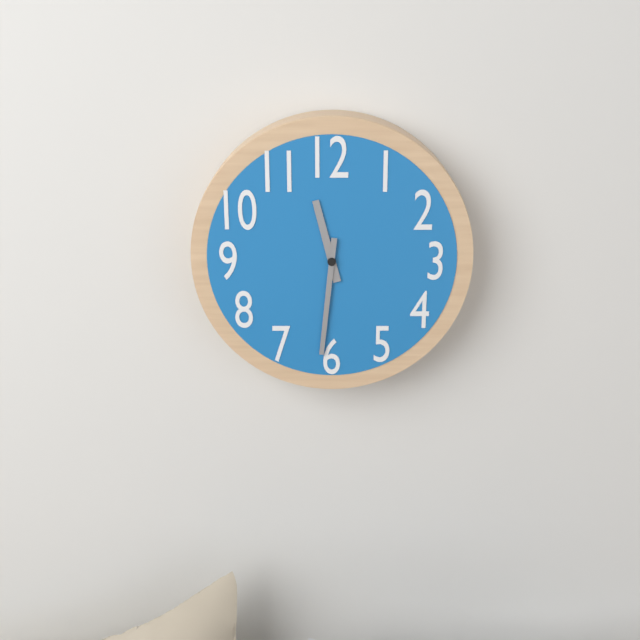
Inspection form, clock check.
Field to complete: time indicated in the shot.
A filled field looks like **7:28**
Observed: **11:31**
